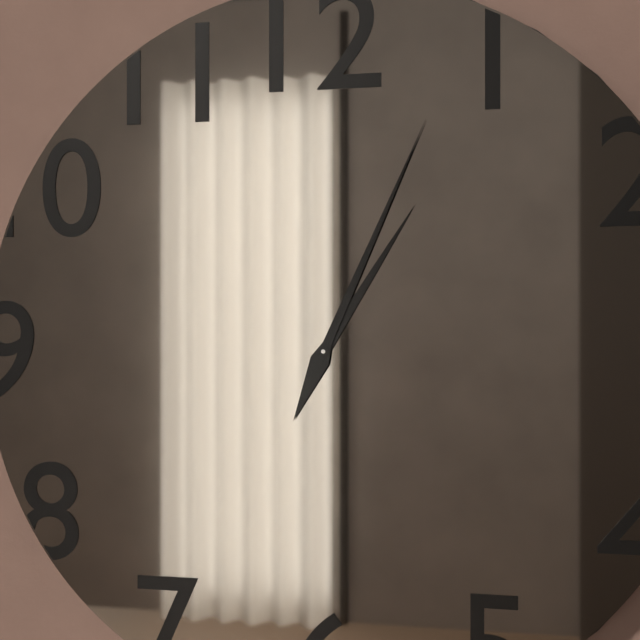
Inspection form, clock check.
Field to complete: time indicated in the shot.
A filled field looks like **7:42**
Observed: **1:04**
